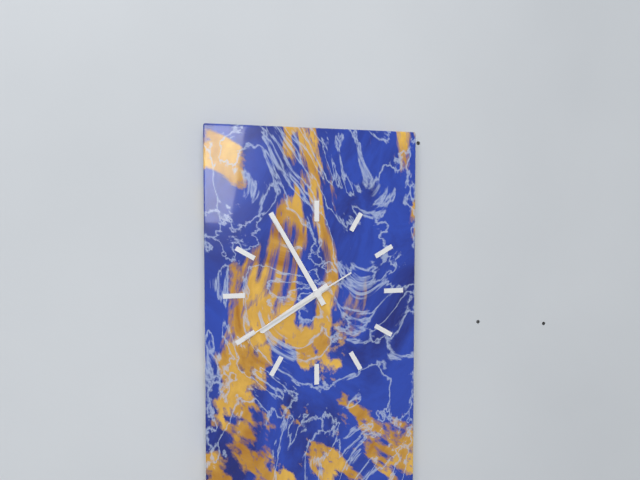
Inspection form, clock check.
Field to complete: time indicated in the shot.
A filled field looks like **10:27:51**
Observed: **7:55:40**
